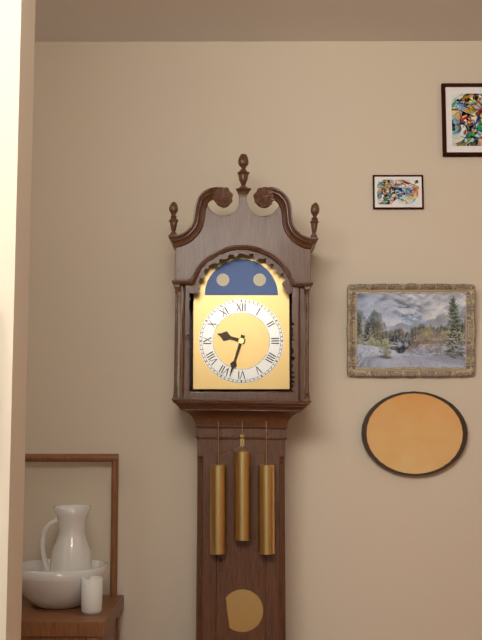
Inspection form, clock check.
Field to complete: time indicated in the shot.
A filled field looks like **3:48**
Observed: **9:33**
